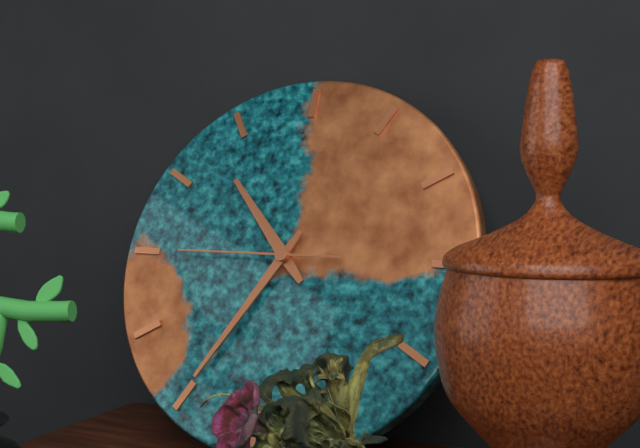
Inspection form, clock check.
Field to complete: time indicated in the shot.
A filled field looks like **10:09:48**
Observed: **10:35:45**
